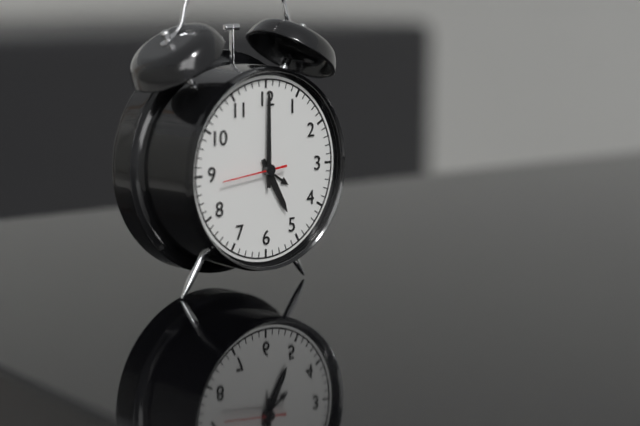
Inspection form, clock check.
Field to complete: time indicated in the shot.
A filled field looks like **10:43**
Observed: **5:00**
